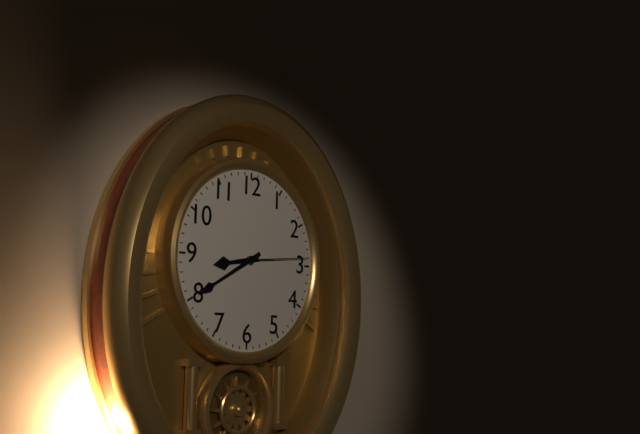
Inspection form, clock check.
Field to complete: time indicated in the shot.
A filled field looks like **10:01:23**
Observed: **8:40:14**
